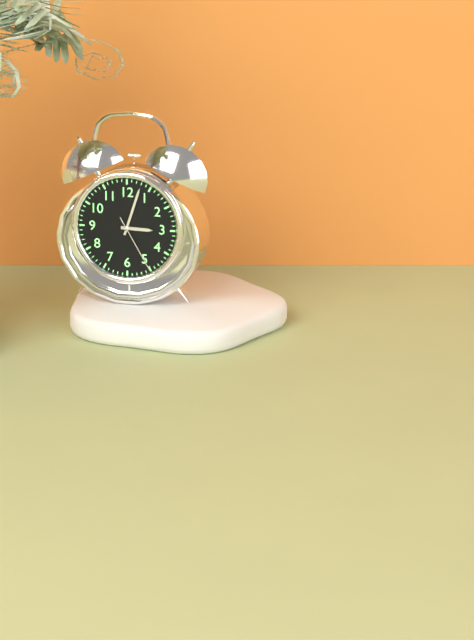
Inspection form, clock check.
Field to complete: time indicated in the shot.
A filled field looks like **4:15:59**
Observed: **3:03:25**
